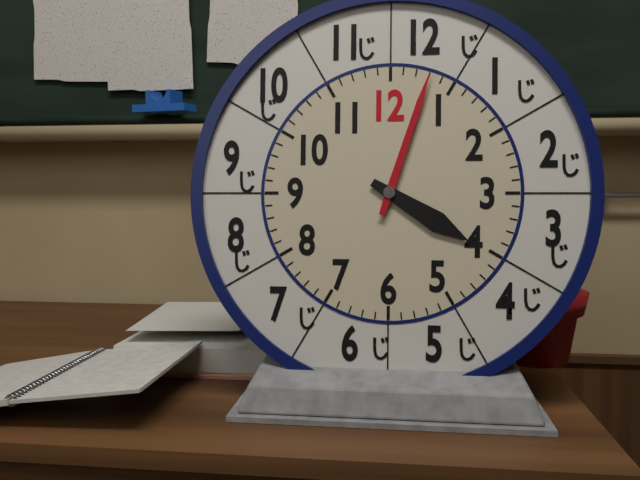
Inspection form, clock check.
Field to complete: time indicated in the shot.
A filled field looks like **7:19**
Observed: **4:03**
